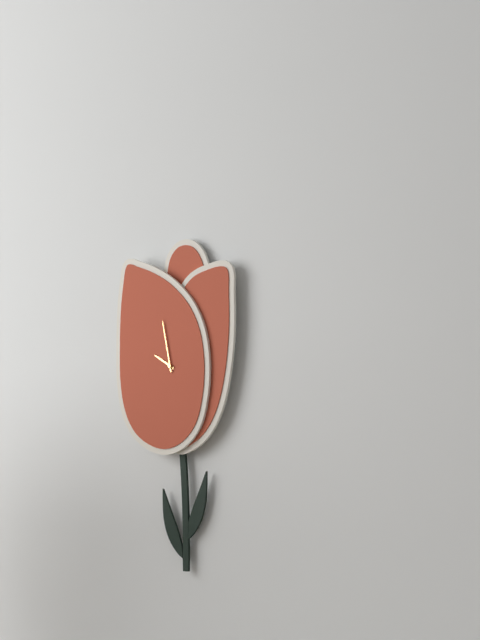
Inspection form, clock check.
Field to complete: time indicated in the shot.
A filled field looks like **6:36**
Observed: **9:58**
